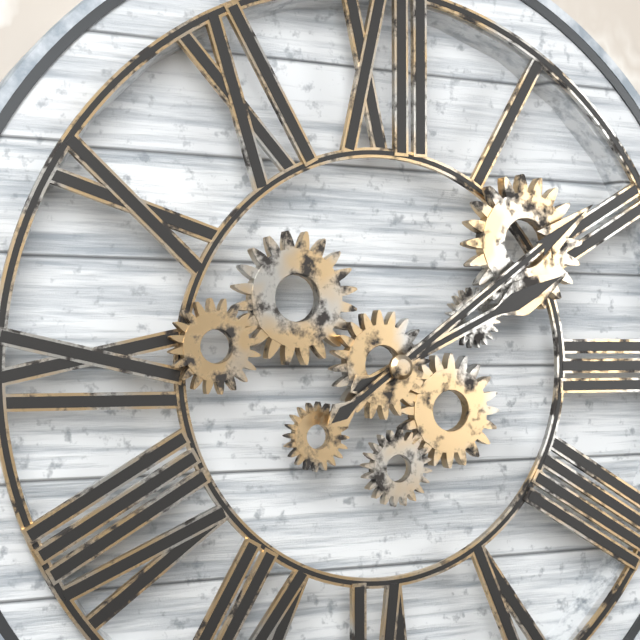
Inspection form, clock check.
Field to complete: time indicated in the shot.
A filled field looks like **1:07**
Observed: **2:09**
